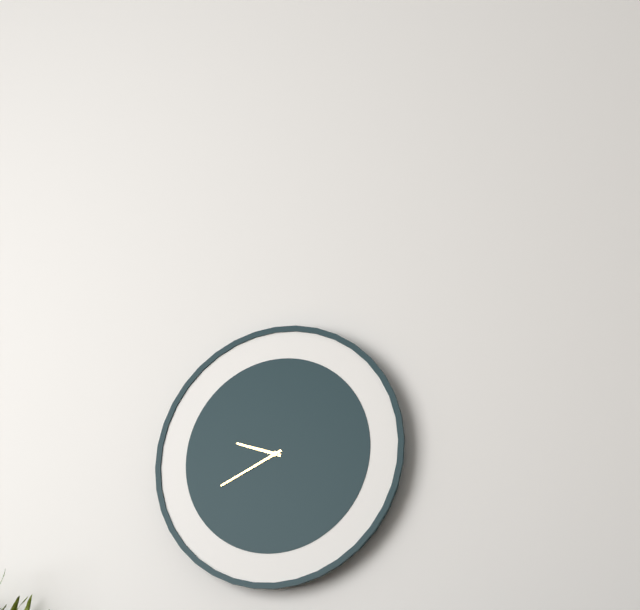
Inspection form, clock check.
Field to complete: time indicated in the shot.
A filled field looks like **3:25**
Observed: **9:41**
